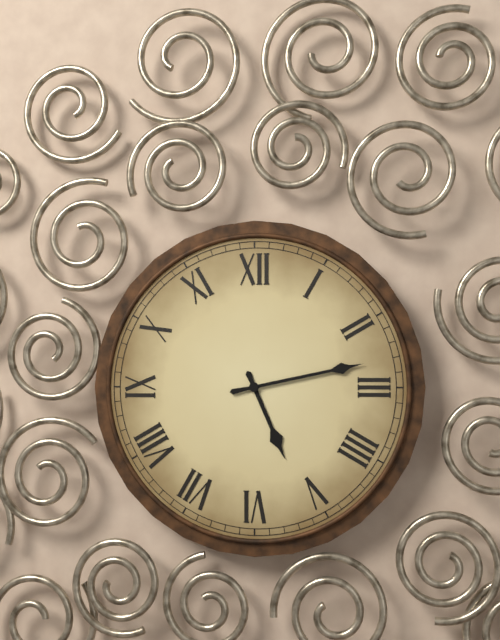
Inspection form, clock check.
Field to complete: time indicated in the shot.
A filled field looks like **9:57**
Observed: **5:13**
